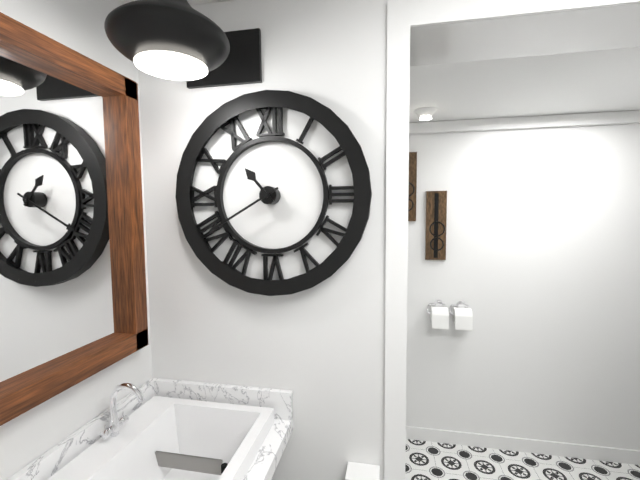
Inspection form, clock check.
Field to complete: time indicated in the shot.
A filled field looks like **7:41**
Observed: **10:40**
